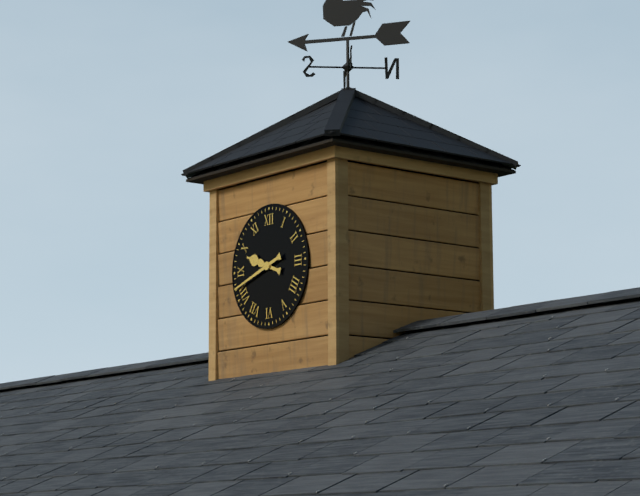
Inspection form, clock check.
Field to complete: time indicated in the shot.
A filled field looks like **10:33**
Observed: **9:42**
